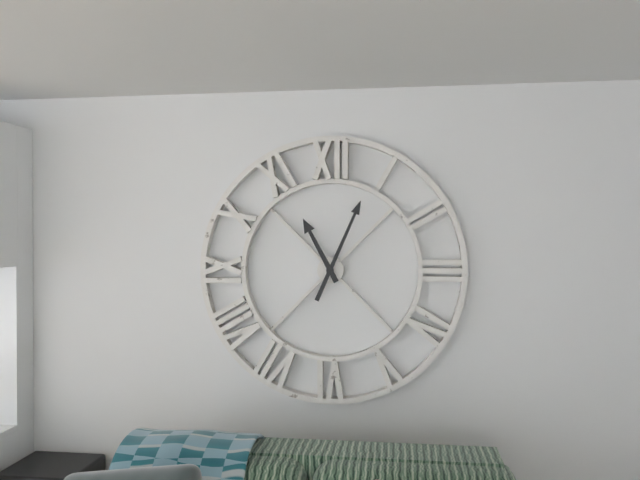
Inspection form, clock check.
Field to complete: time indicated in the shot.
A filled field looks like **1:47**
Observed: **11:04**
